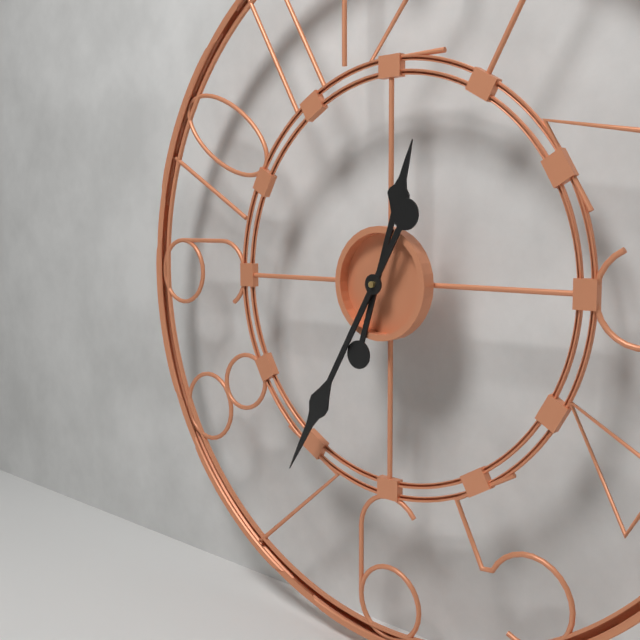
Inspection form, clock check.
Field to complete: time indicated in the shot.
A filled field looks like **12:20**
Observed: **12:35**
